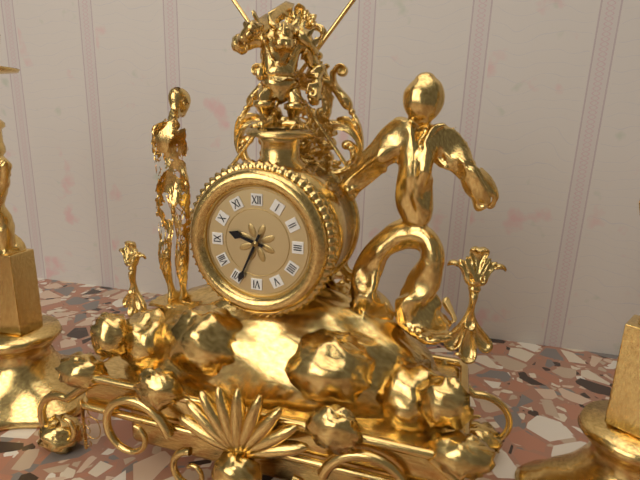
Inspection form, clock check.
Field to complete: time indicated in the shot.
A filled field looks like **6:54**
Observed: **9:34**
